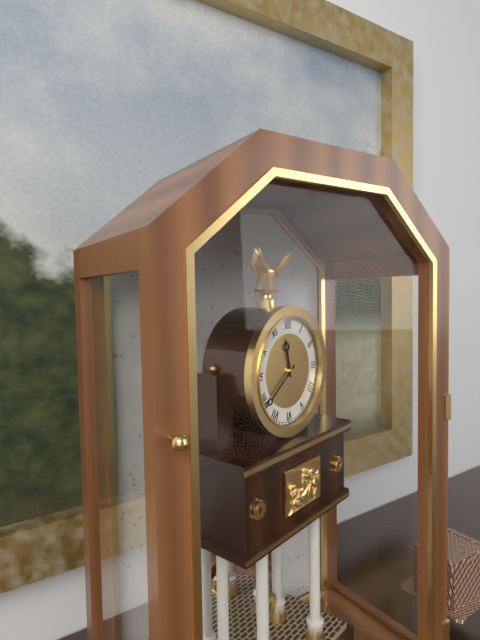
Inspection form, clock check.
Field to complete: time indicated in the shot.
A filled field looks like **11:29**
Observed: **11:39**
